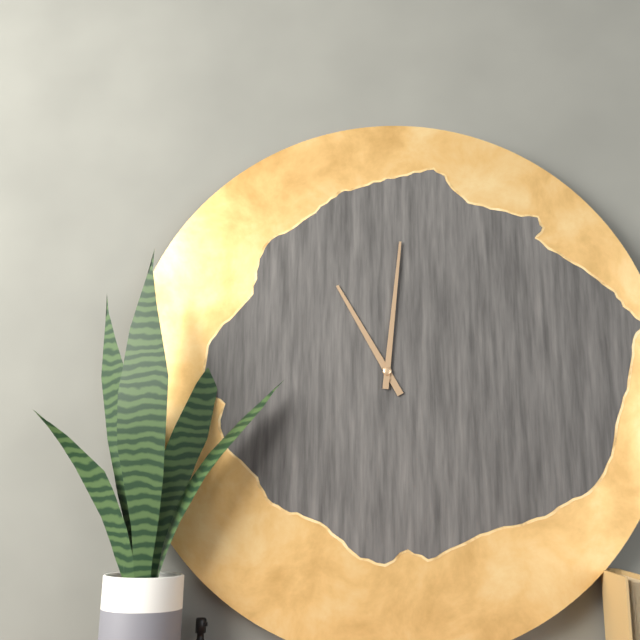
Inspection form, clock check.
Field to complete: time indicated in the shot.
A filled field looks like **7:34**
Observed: **11:01**
